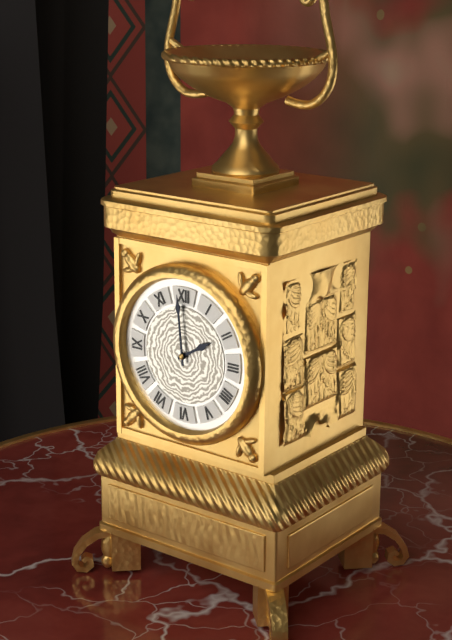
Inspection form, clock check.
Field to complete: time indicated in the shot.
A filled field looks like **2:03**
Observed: **1:59**
